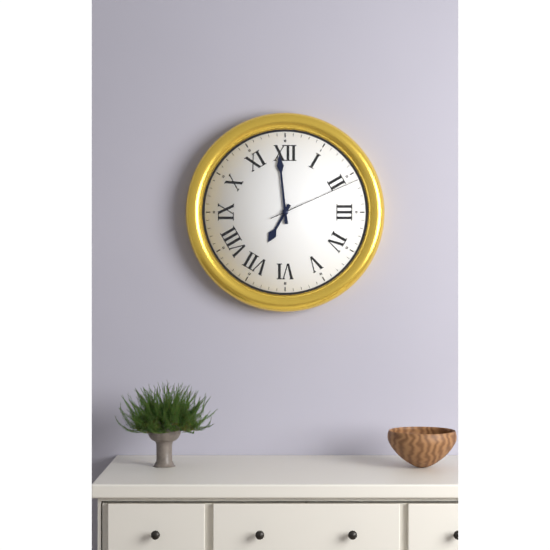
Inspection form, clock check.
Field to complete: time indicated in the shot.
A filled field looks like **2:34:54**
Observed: **6:59:11**
